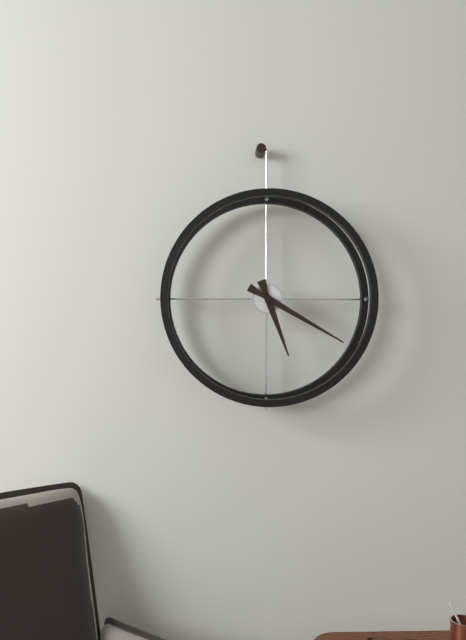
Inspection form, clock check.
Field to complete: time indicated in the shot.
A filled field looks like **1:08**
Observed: **5:20**
